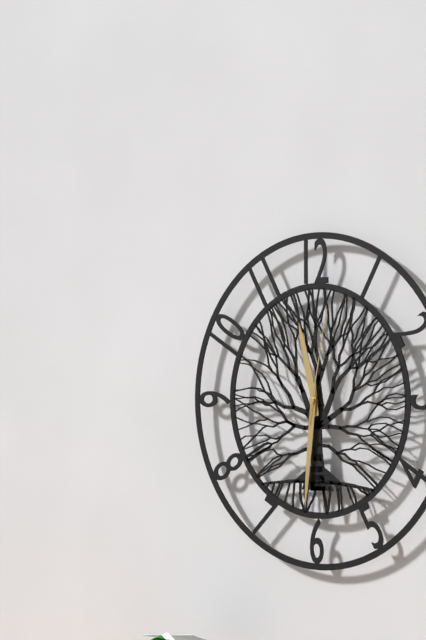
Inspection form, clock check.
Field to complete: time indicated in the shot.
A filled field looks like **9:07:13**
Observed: **11:31:02**
